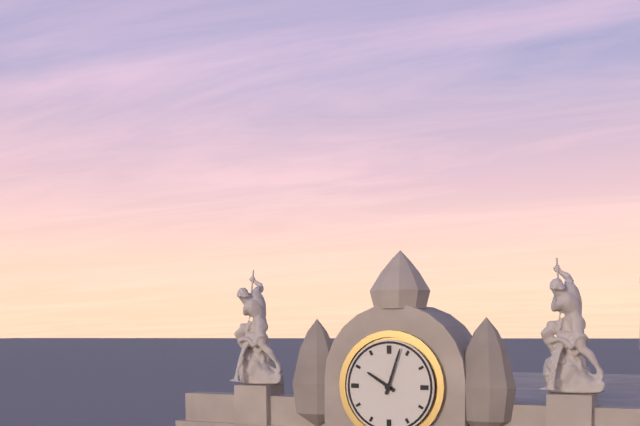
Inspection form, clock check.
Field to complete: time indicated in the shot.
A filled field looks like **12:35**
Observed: **10:03**
